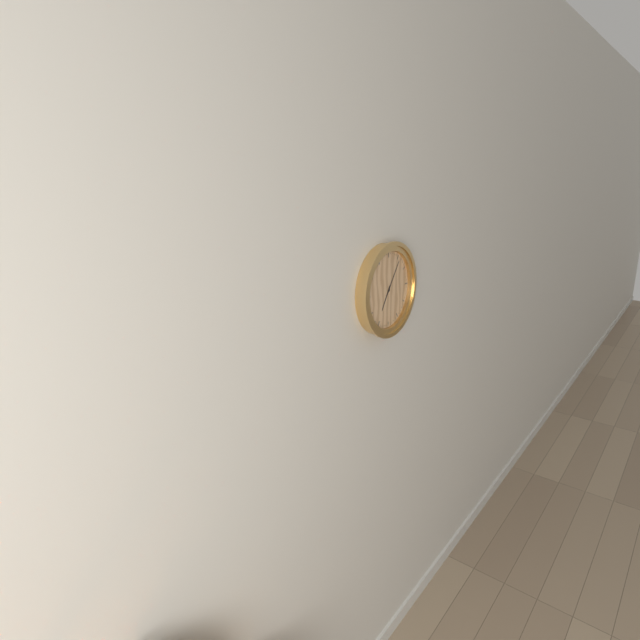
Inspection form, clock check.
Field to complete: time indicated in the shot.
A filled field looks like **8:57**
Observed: **7:06**
